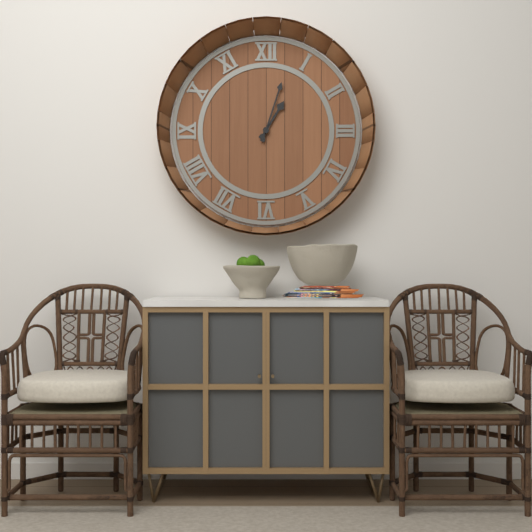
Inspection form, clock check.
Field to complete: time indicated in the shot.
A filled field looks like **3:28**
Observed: **1:03**
